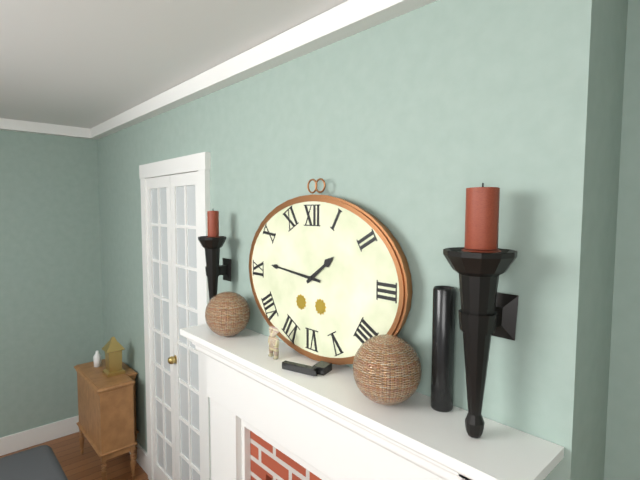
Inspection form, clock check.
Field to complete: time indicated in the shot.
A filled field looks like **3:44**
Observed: **1:46**
